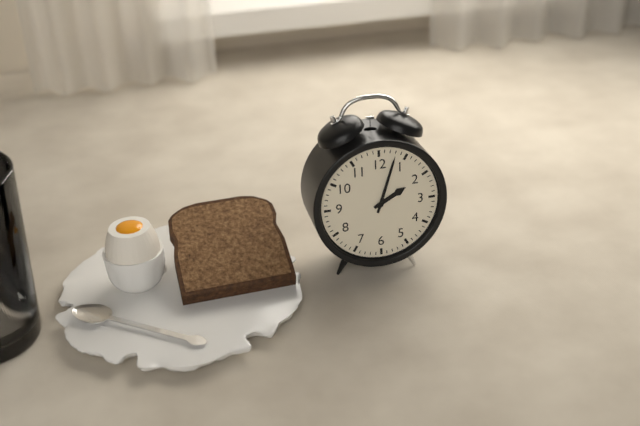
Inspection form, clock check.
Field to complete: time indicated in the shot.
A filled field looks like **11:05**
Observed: **2:03**
